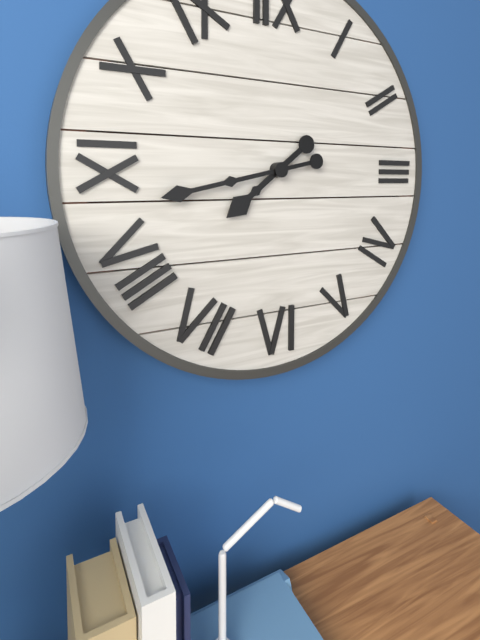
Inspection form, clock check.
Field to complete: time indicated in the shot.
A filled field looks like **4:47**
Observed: **7:43**
